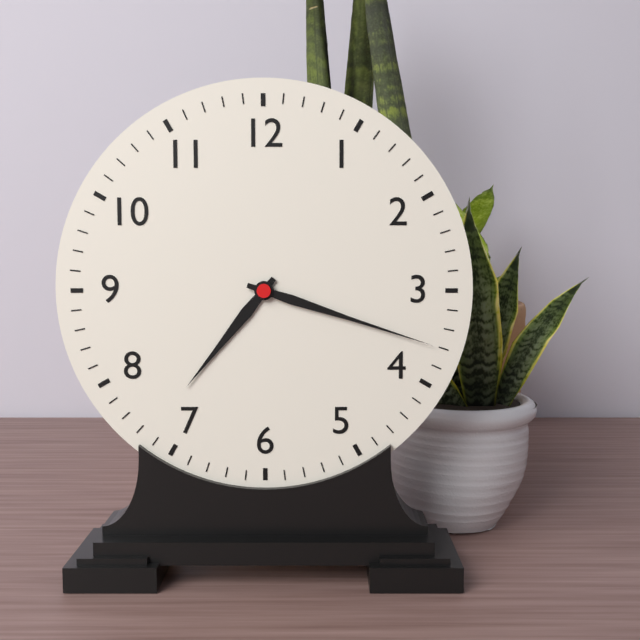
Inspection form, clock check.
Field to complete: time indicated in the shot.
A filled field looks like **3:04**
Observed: **7:18**
